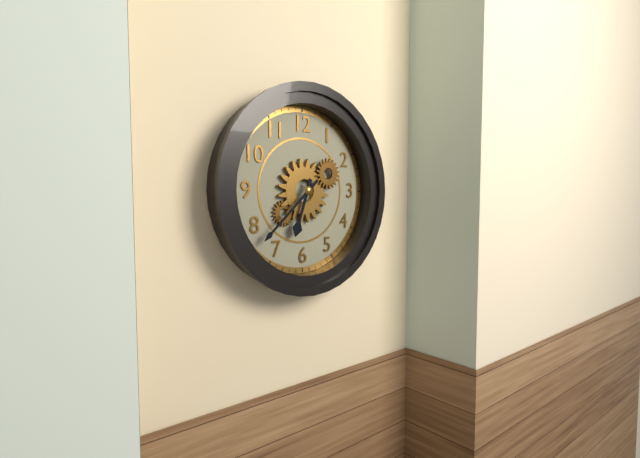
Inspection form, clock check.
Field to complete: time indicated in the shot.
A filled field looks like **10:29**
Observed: **6:38**
